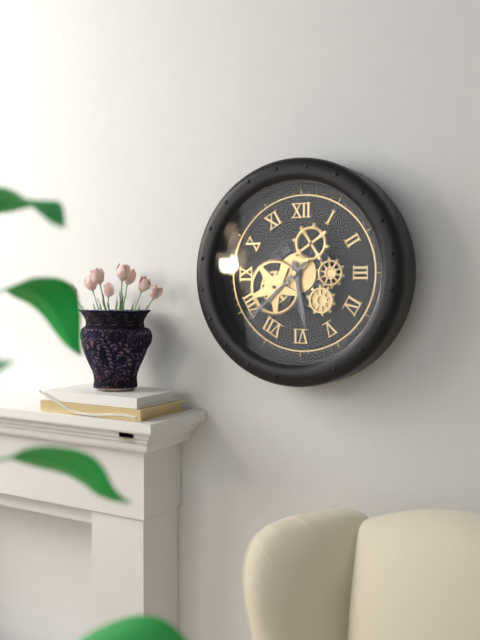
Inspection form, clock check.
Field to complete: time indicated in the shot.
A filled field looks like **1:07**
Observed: **5:38**
